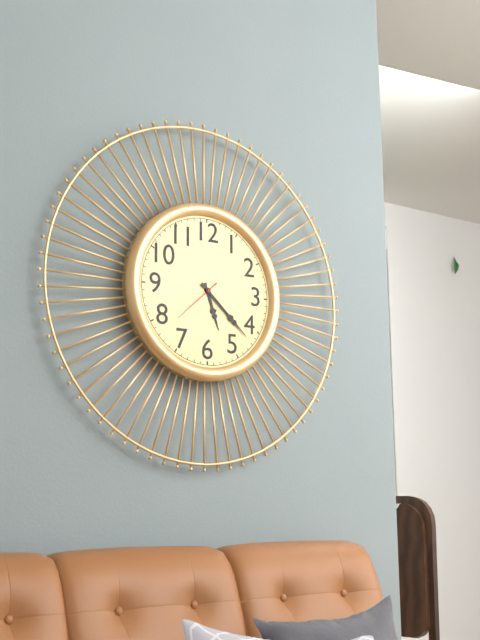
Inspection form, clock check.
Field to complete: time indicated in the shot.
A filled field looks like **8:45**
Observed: **5:22**
